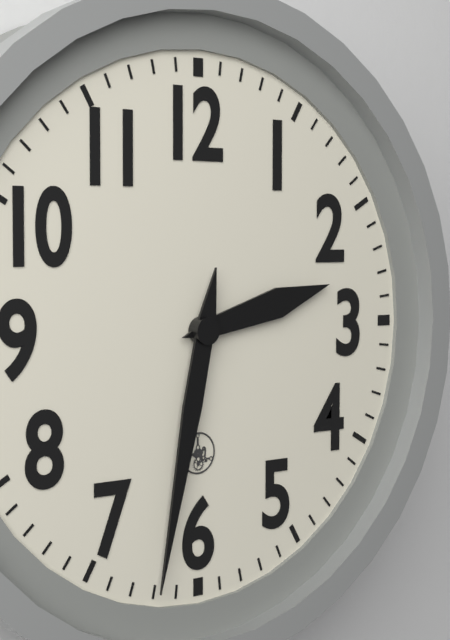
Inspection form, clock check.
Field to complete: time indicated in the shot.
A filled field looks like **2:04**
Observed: **2:32**
